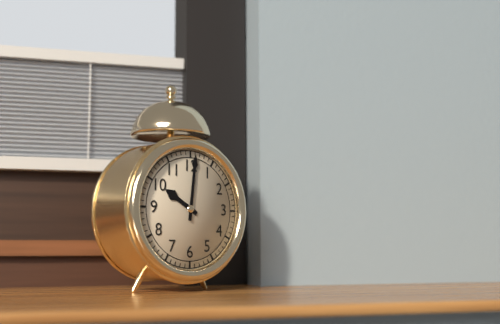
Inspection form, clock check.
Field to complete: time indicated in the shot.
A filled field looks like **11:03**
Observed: **10:01**
